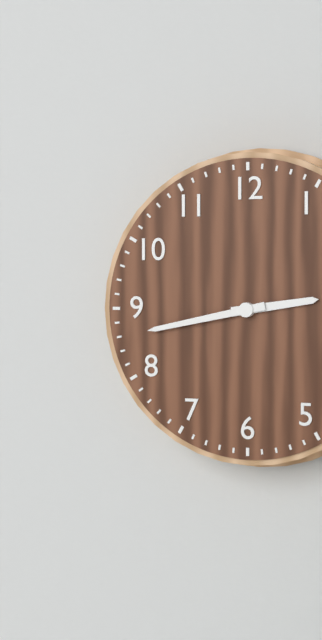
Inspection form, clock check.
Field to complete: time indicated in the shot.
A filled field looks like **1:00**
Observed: **2:43**
